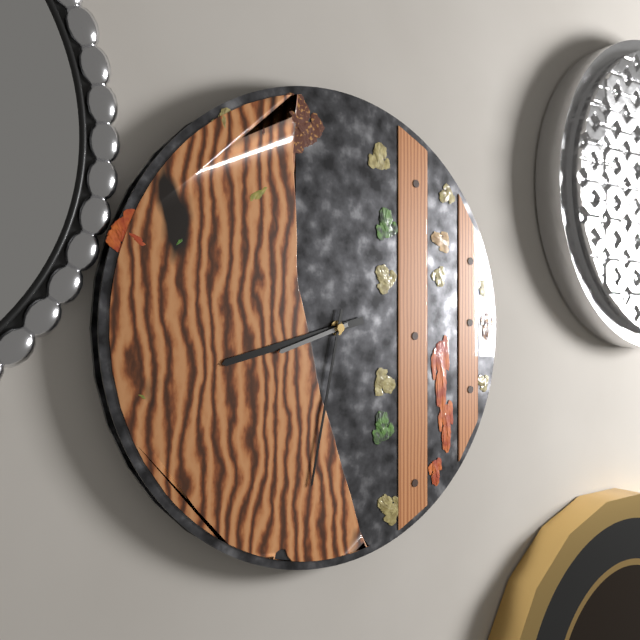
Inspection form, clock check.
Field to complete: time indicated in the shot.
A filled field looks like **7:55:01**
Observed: **8:32:42**
